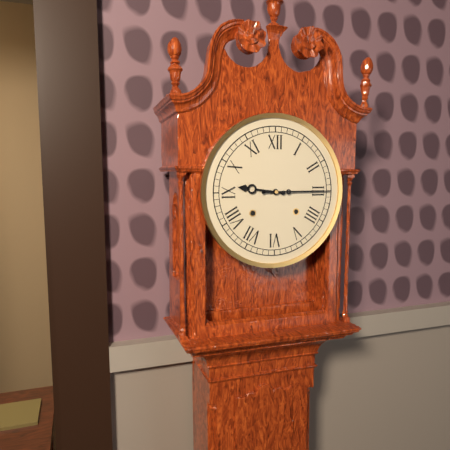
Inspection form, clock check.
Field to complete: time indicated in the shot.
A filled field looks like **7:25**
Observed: **9:15**
